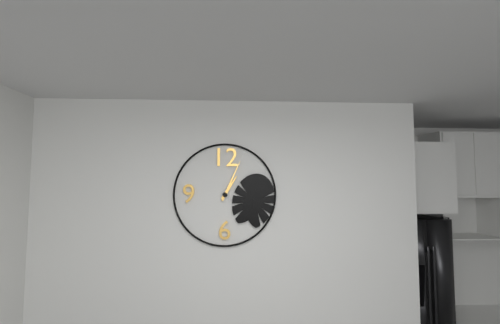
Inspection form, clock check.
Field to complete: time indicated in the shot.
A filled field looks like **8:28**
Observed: **1:04**
